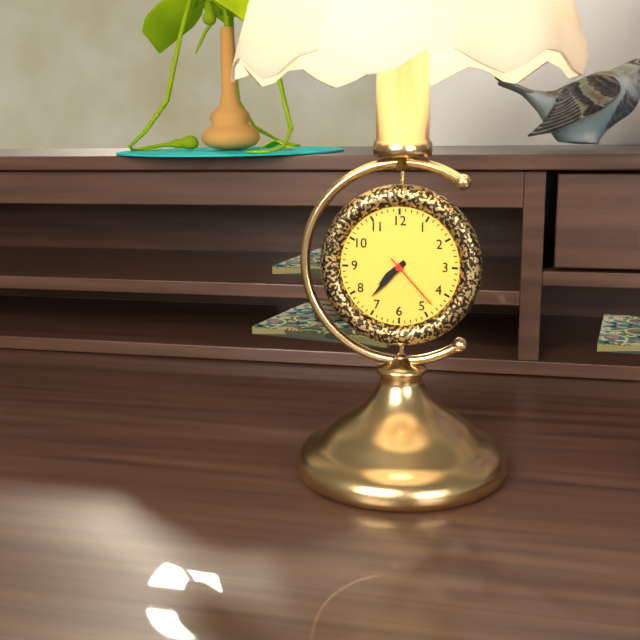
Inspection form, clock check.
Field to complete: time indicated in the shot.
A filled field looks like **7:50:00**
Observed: **7:37:23**
